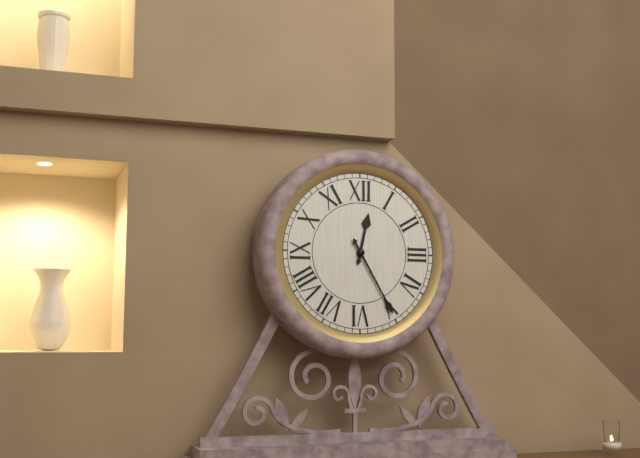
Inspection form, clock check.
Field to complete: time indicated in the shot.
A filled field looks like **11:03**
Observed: **12:25**
